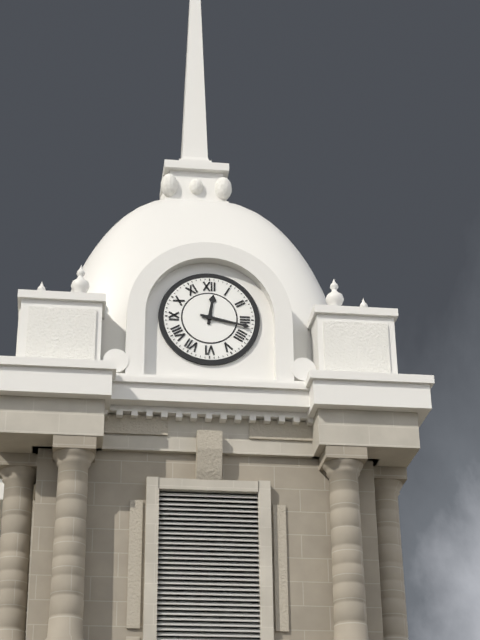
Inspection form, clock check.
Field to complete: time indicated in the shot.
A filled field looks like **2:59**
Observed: **12:17**
